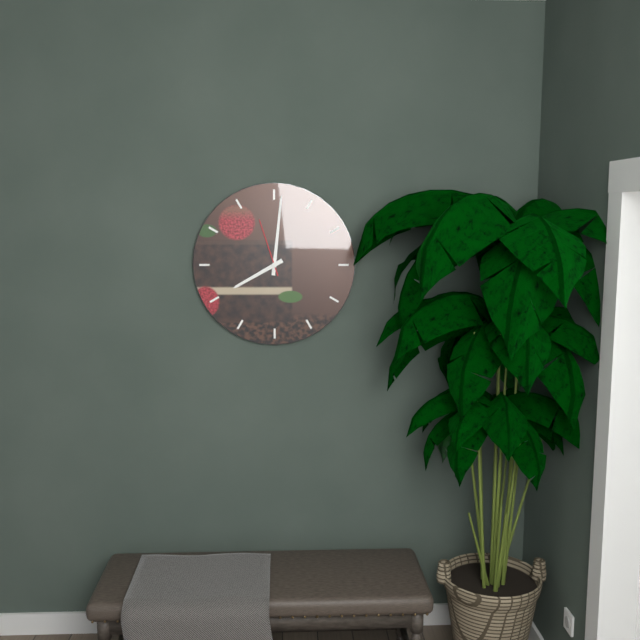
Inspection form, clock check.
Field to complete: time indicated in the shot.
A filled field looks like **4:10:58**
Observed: **8:01:57**
